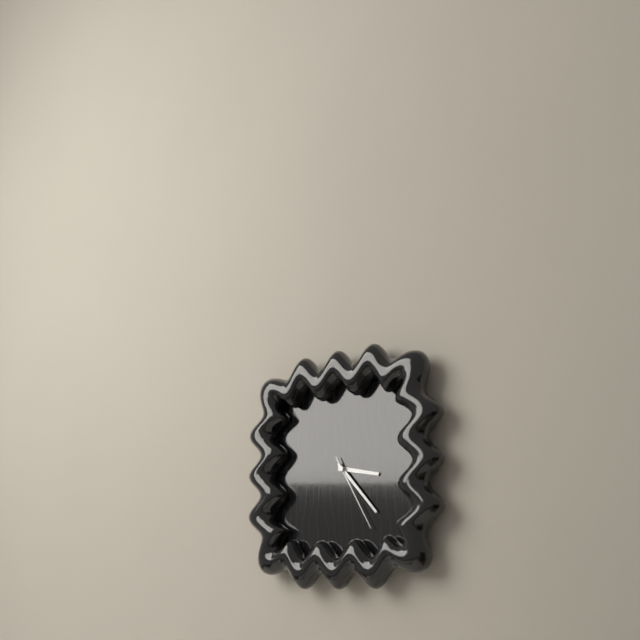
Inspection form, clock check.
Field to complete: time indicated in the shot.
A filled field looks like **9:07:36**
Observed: **3:23:25**
